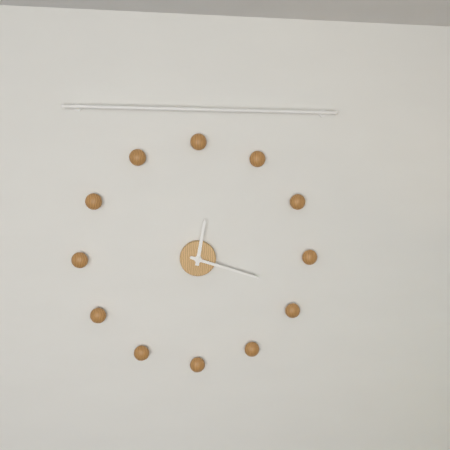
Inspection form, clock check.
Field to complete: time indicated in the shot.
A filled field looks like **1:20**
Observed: **12:18**
